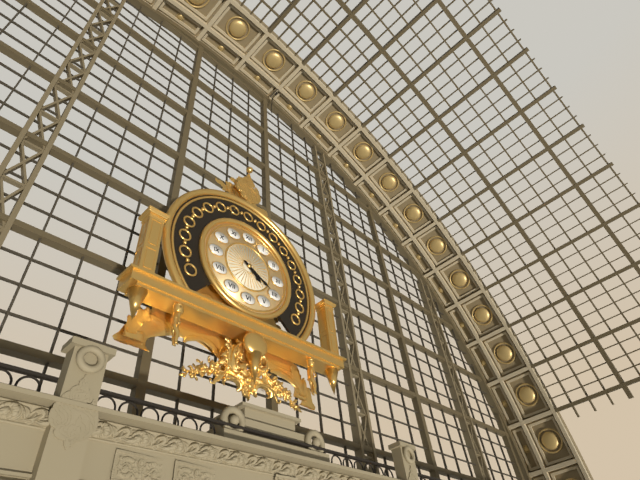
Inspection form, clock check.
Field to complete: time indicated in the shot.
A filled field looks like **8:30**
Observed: **4:20**
